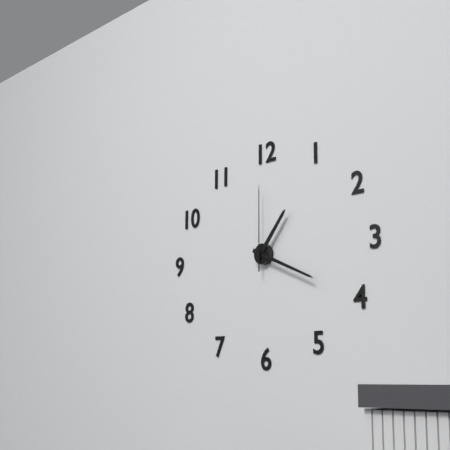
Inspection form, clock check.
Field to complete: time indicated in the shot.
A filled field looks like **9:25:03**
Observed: **1:19:00**
